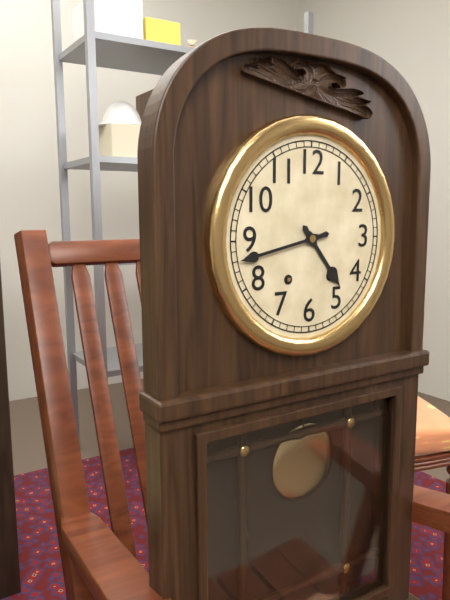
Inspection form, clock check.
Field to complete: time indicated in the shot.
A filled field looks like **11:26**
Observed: **4:43**
